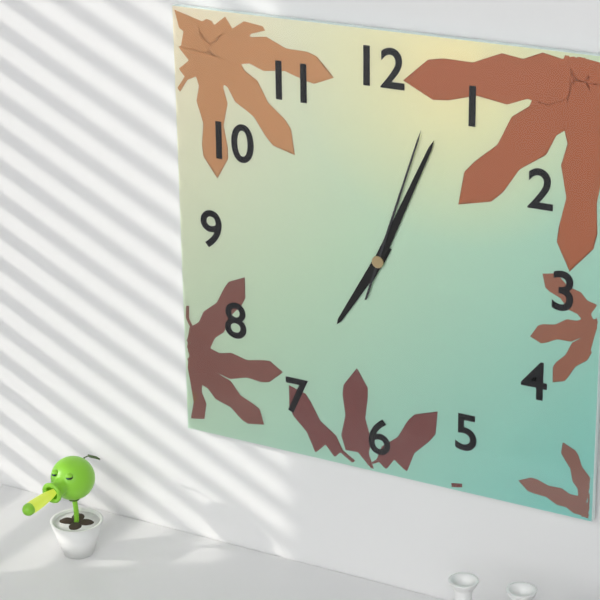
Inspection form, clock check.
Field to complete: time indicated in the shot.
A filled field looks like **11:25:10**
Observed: **7:04:03**
